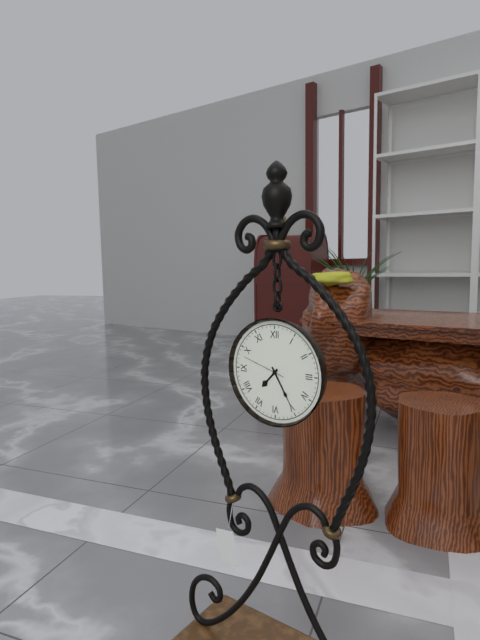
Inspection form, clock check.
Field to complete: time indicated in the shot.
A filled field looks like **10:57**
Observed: **7:25**
